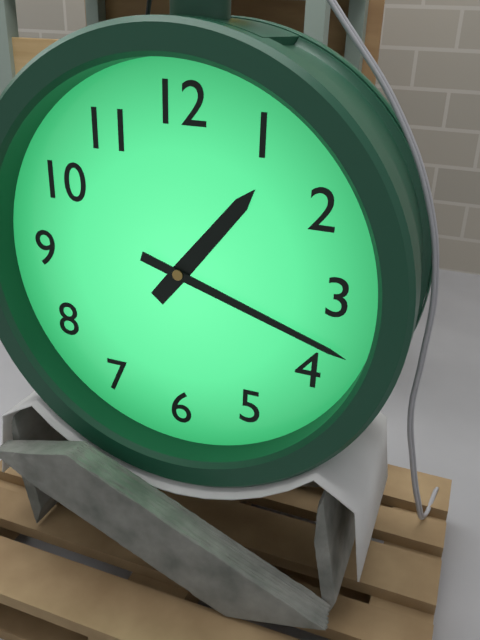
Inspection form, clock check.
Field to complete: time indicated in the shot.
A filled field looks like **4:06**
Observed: **1:18**
